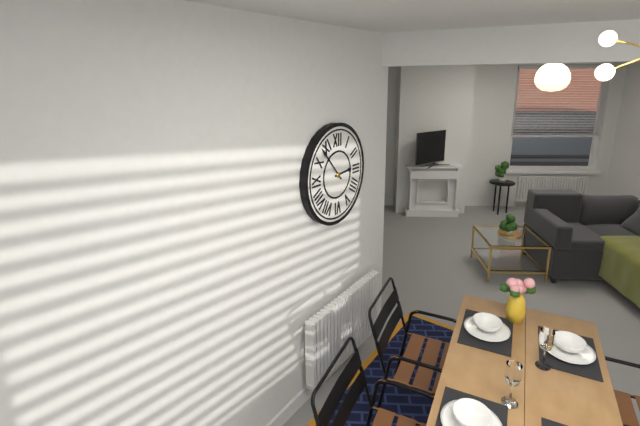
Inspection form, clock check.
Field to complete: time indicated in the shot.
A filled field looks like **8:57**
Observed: **2:53**
